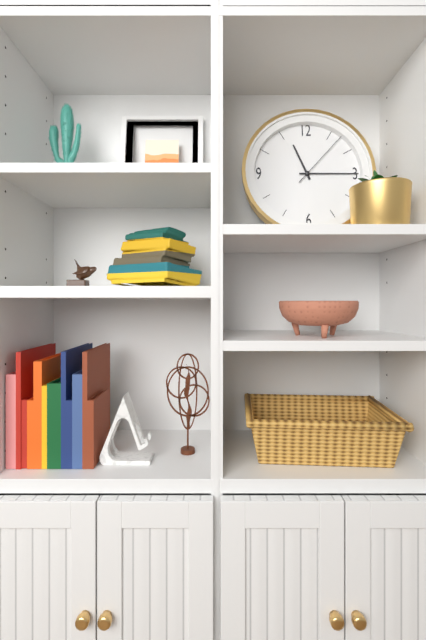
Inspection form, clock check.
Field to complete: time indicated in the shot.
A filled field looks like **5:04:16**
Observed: **11:15:07**
